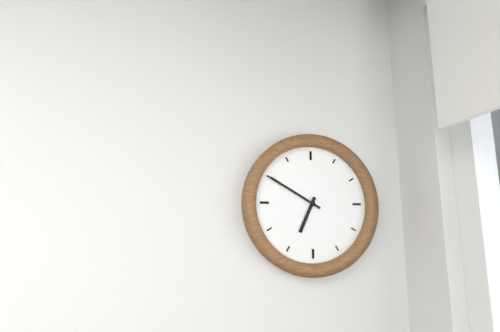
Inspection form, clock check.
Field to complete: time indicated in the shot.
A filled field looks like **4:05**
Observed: **6:50**
